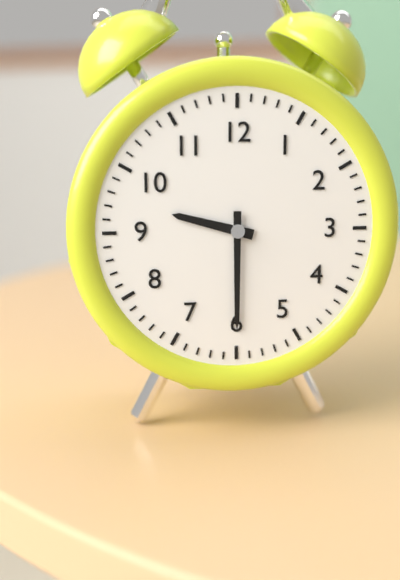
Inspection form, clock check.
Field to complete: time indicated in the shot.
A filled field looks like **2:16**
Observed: **9:30**
